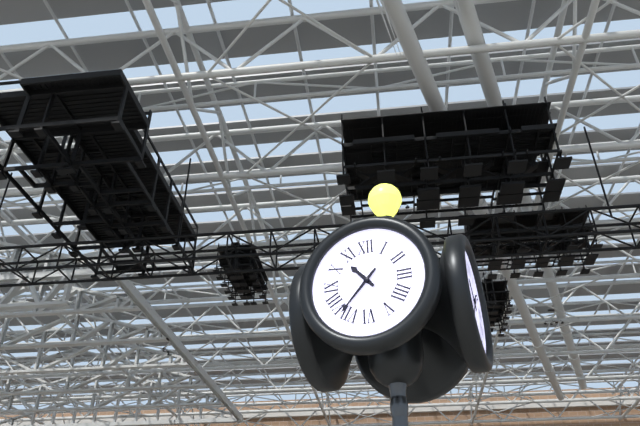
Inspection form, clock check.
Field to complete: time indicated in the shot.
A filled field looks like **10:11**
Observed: **10:37**
